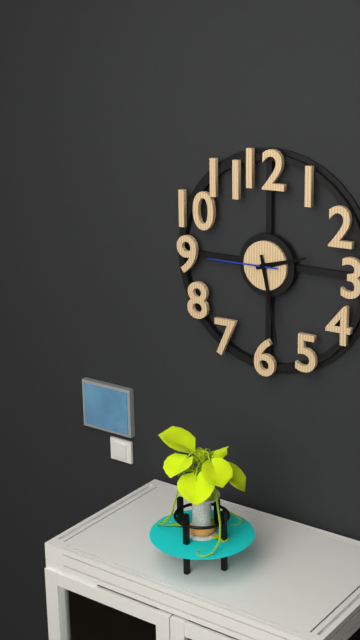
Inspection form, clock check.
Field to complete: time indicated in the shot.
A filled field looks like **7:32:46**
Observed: **2:28:45**
